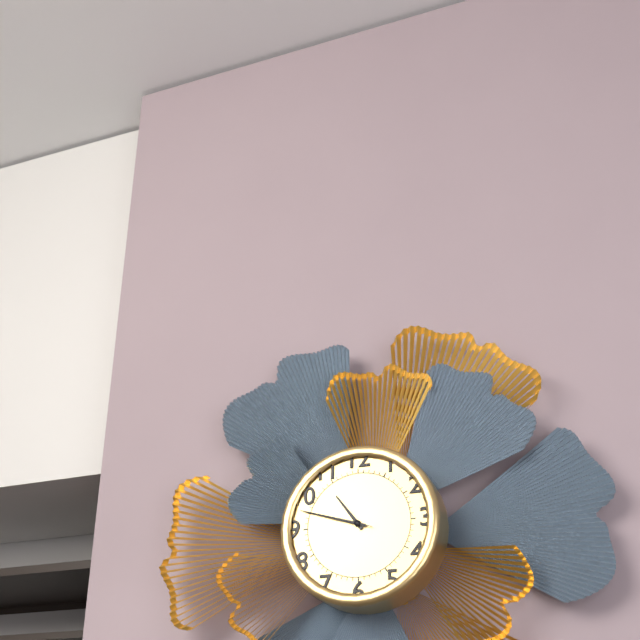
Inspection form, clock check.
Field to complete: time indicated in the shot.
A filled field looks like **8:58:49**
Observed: **10:48:48**
